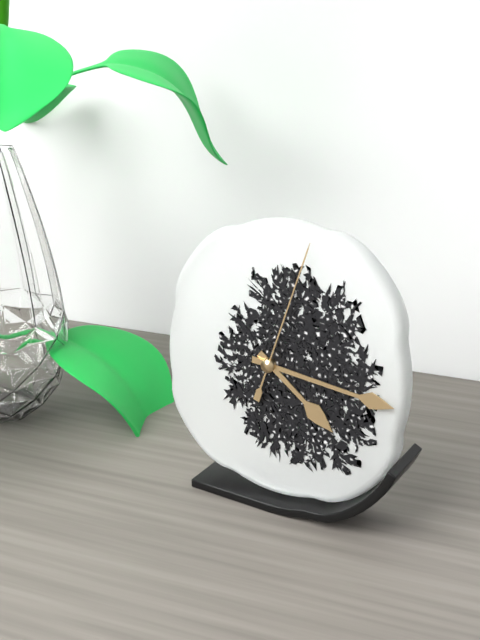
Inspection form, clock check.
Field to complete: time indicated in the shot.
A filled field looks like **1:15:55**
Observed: **4:16:03**
